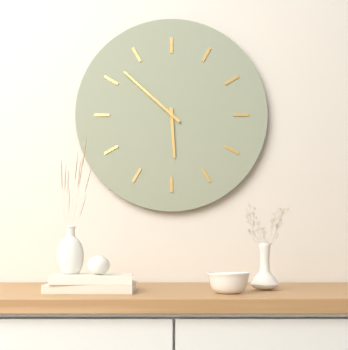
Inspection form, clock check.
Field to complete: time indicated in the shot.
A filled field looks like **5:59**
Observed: **5:52**
